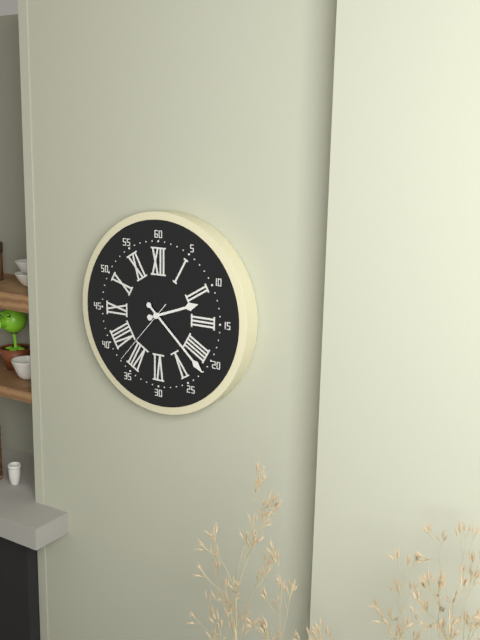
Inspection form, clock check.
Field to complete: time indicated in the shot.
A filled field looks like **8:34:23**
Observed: **2:22:37**
